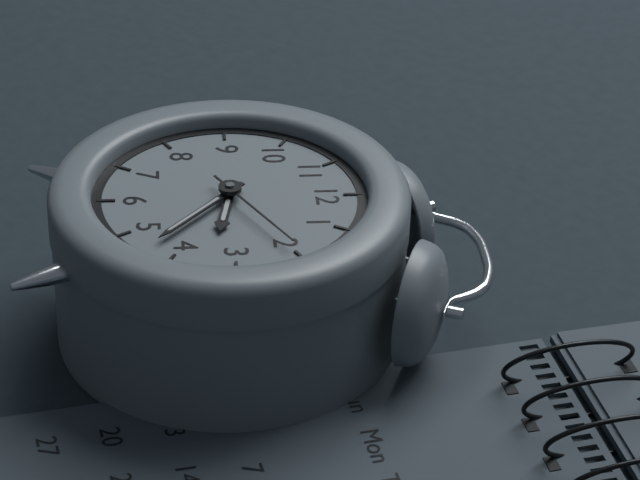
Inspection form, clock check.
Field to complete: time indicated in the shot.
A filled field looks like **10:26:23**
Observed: **3:22:10**
